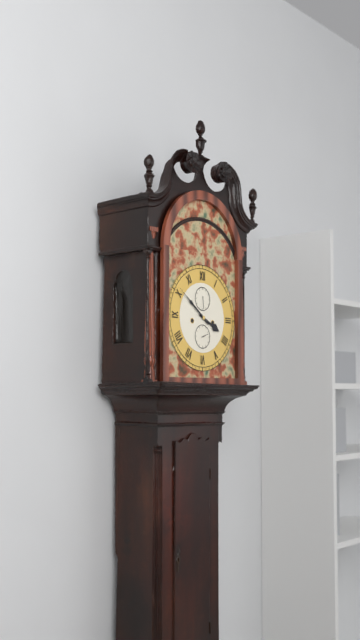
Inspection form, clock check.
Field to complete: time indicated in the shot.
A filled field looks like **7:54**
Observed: **3:51**
